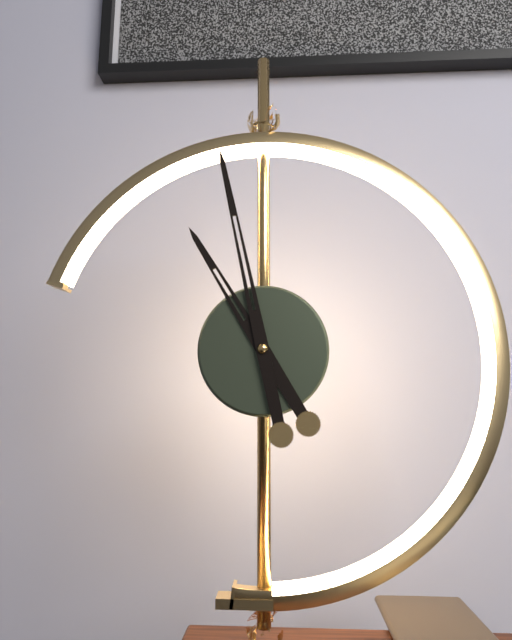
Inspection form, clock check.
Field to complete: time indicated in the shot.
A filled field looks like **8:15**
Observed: **10:58**
